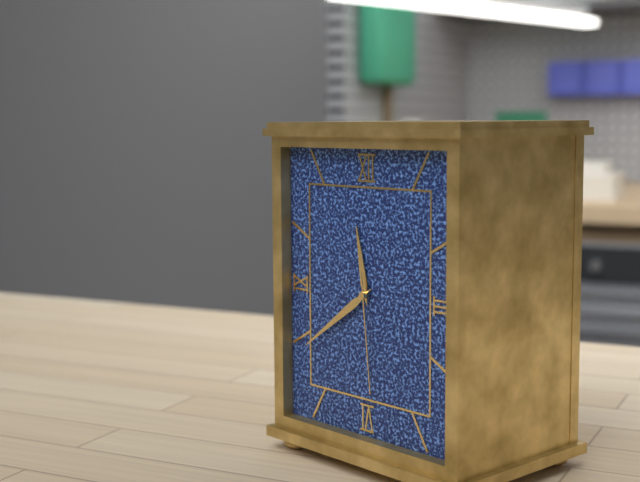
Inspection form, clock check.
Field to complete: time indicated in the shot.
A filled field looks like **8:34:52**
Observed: **11:39:29**
